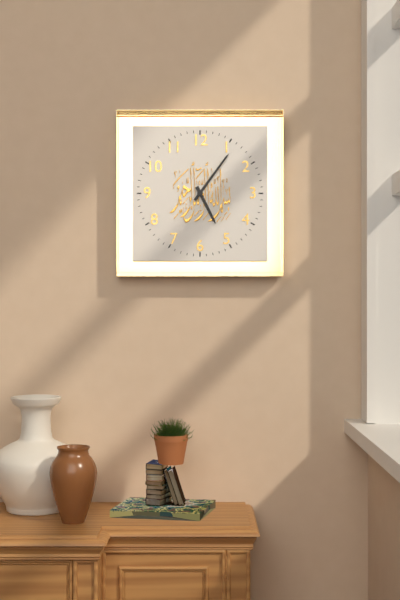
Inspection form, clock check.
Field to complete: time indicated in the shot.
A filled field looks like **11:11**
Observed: **5:06**
